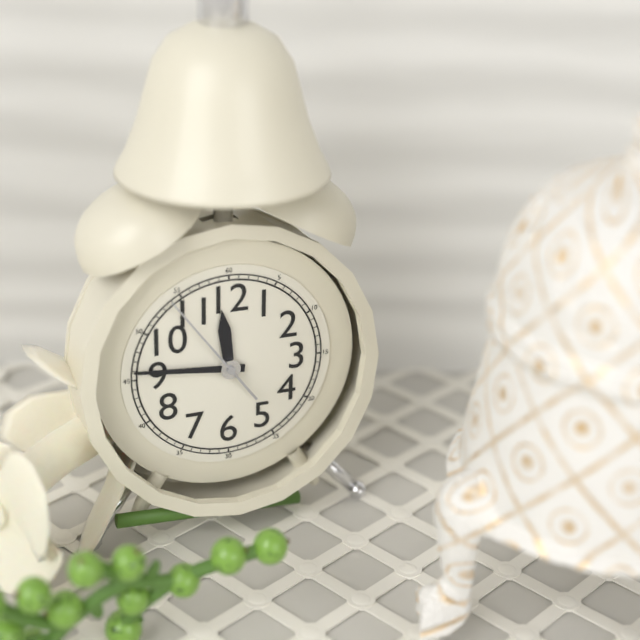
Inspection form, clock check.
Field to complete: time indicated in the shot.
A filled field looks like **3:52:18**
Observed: **11:46:54**
